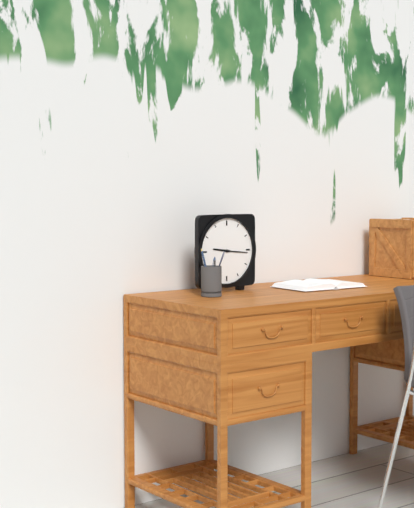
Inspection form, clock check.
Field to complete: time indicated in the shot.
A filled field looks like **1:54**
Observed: **9:16**
